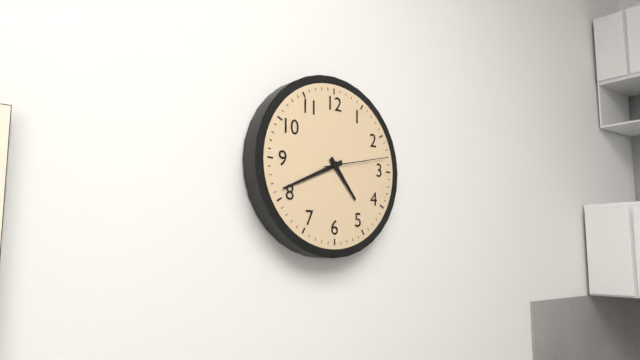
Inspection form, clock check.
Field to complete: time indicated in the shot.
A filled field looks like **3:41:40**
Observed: **4:41:13**
